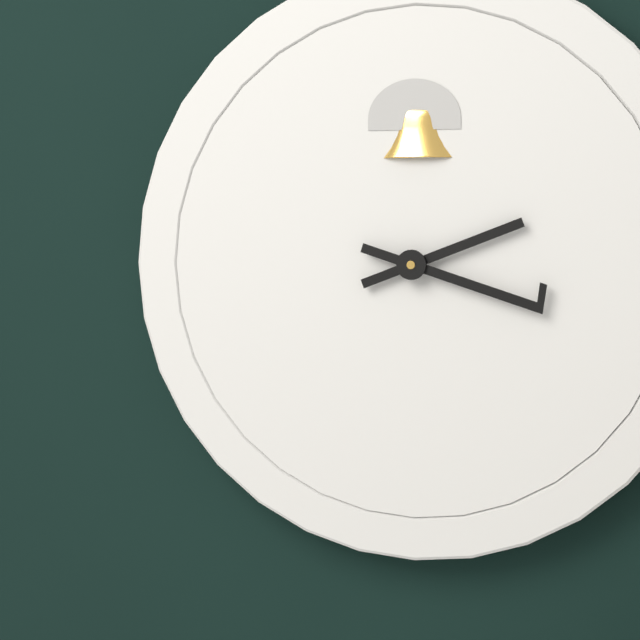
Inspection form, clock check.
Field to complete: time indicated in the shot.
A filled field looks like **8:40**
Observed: **2:18**
